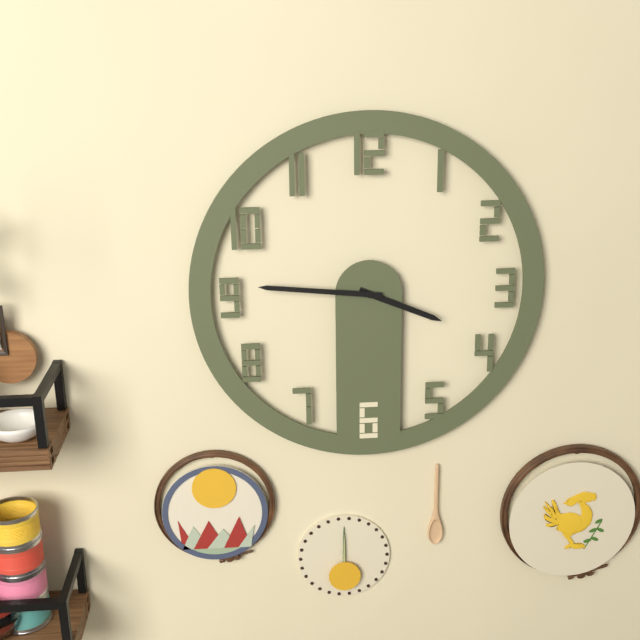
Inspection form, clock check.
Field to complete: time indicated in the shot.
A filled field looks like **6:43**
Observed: **3:46**
